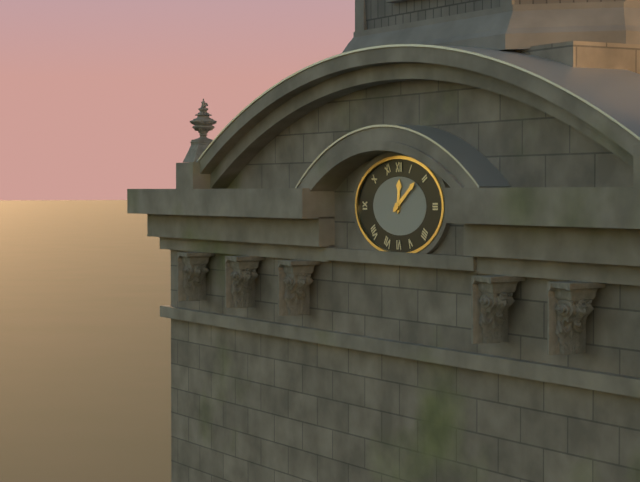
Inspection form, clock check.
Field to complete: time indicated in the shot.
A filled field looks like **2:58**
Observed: **12:09**
